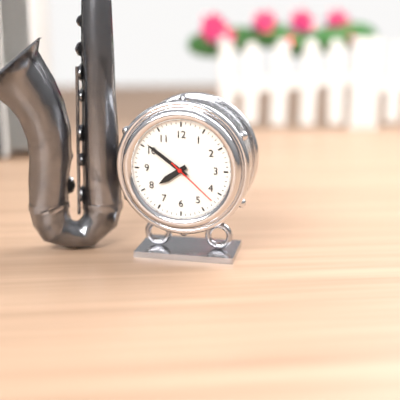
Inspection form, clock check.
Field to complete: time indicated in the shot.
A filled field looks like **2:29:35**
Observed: **7:51:22**
